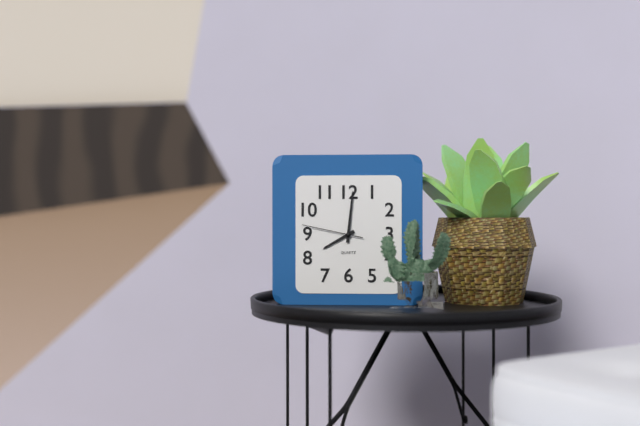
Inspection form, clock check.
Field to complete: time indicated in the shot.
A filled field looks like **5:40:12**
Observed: **8:01:47**
